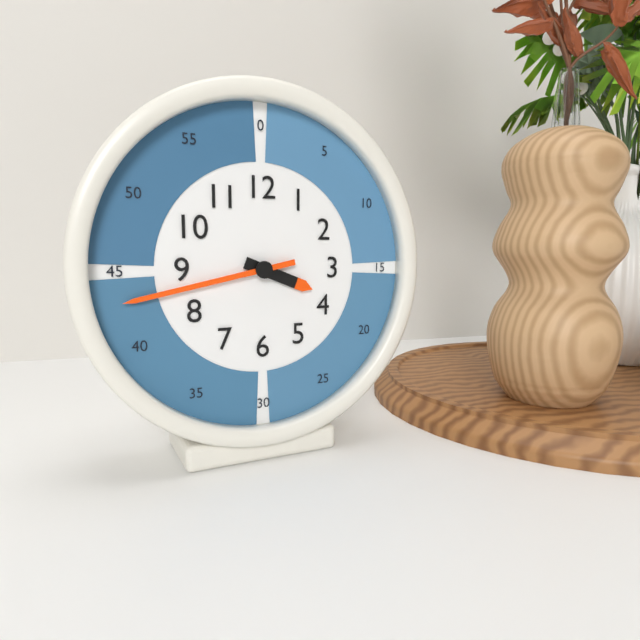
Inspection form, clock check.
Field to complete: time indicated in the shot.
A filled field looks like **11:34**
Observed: **3:43**
